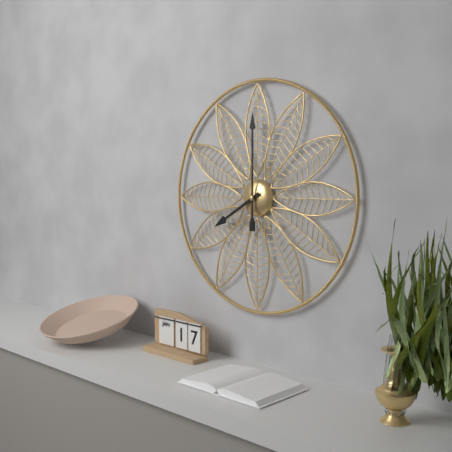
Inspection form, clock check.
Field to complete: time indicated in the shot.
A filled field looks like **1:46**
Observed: **8:00**
